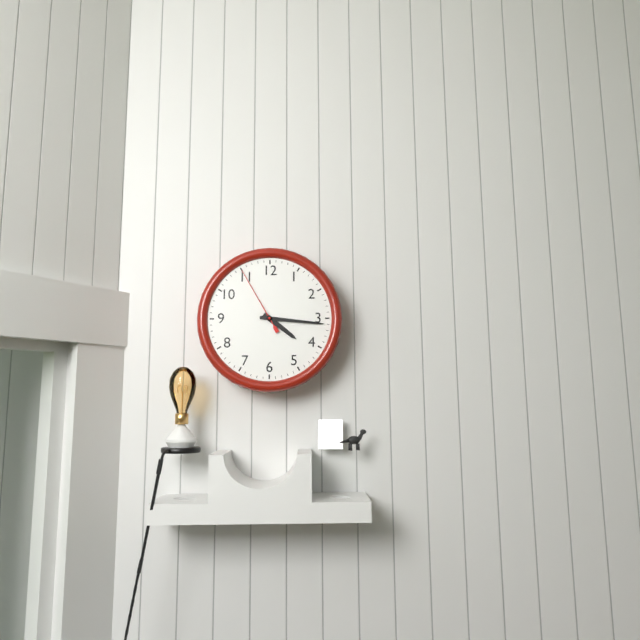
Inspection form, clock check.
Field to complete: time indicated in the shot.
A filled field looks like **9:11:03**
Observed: **4:16:55**
